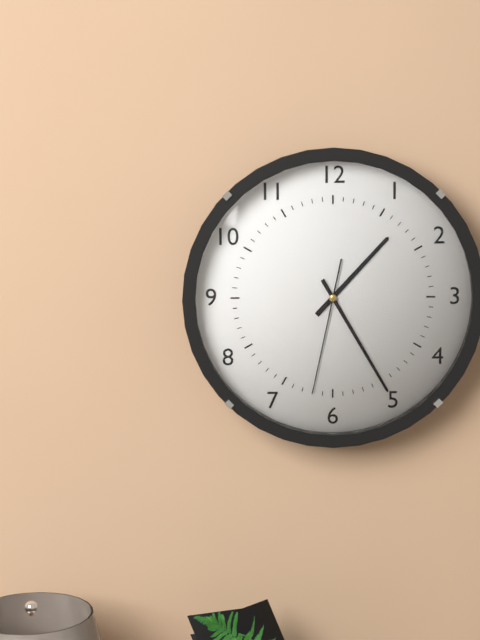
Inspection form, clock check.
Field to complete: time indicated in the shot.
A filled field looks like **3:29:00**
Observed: **1:25:32**
